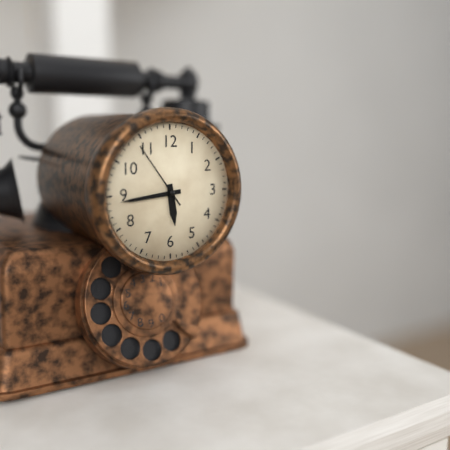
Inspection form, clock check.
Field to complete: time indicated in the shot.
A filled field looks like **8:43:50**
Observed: **5:44:54**
